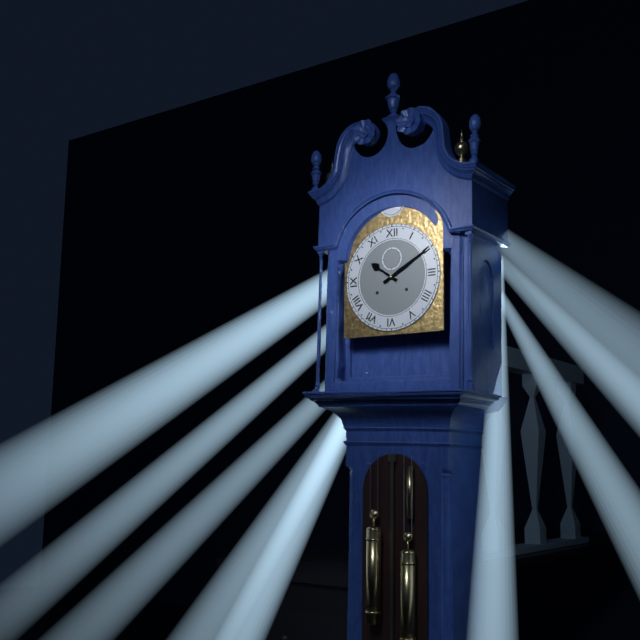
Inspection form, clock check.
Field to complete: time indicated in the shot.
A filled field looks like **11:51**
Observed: **10:10**
